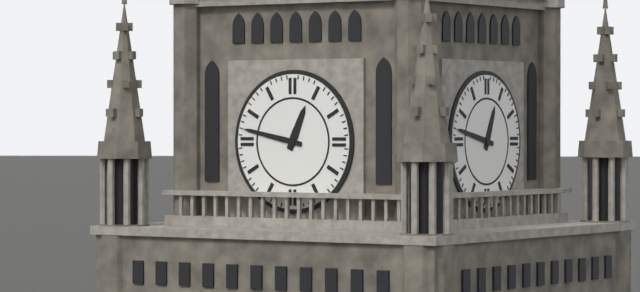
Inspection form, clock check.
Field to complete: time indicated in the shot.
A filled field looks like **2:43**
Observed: **12:47**
